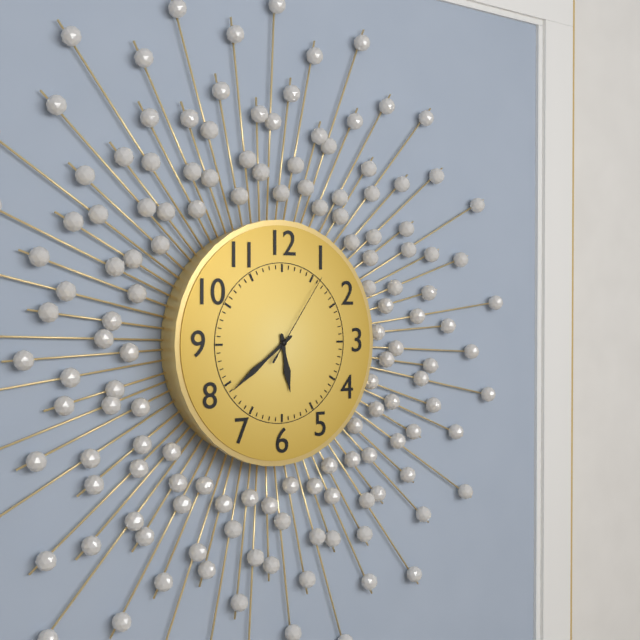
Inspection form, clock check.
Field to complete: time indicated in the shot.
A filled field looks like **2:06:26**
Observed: **5:39:06**
